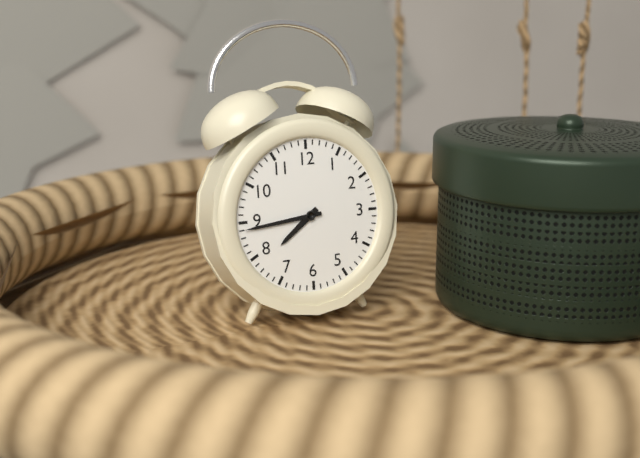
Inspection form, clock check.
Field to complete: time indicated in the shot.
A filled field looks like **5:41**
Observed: **7:44**
